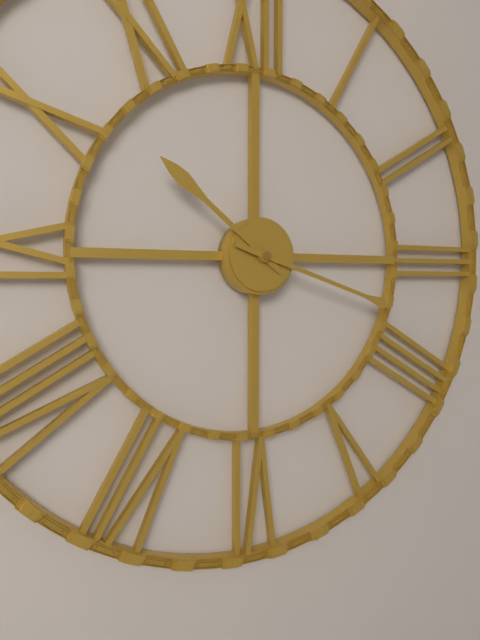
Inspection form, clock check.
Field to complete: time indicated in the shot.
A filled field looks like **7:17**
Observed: **10:18**
